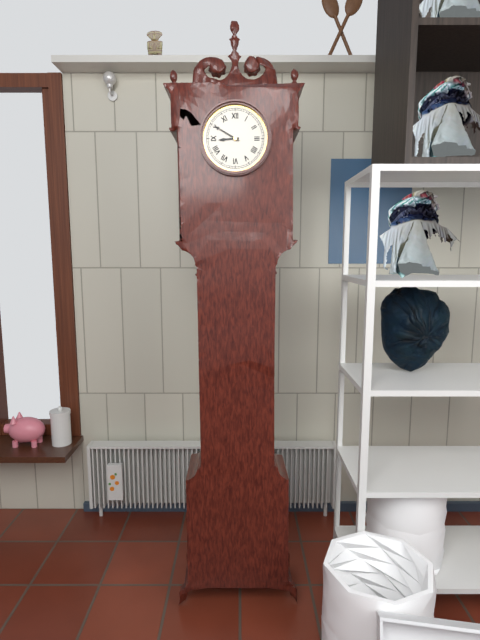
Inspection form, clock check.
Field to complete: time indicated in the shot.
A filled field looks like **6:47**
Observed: **8:50**
